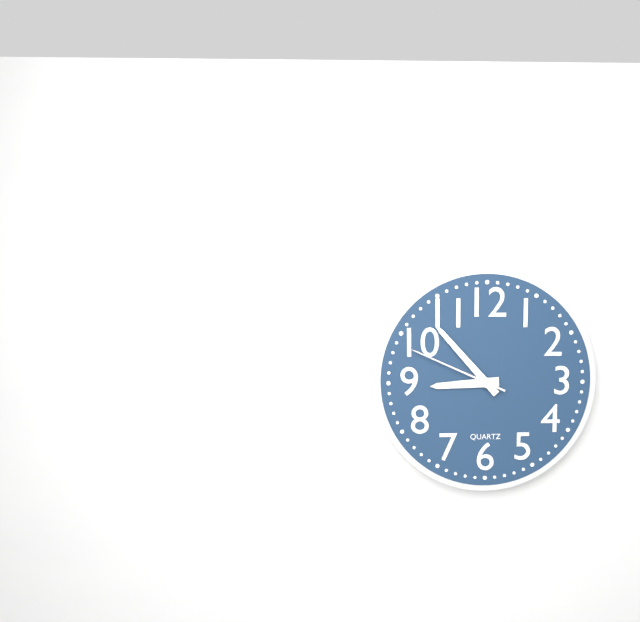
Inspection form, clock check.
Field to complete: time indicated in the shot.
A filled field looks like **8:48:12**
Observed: **8:53:49**
